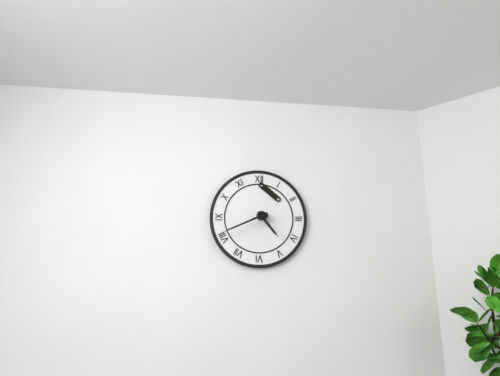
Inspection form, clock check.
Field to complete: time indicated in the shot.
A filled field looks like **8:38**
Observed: **4:41**
